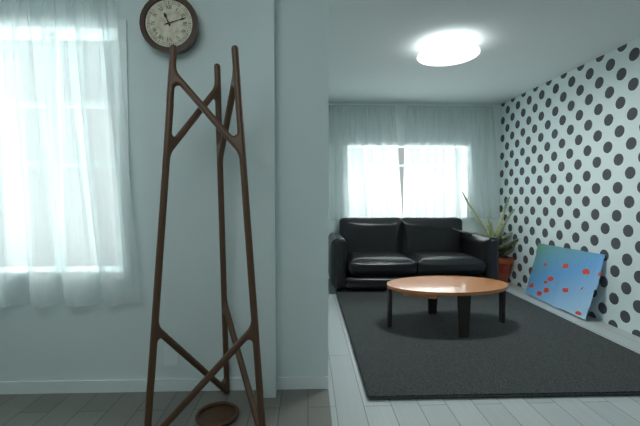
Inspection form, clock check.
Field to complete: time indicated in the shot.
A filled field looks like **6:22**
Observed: **11:12**
